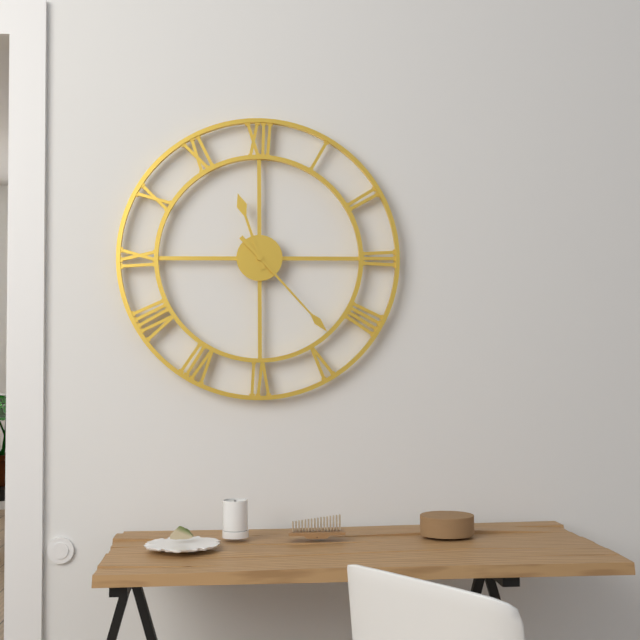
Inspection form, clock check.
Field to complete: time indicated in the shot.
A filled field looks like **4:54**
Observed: **11:23**
